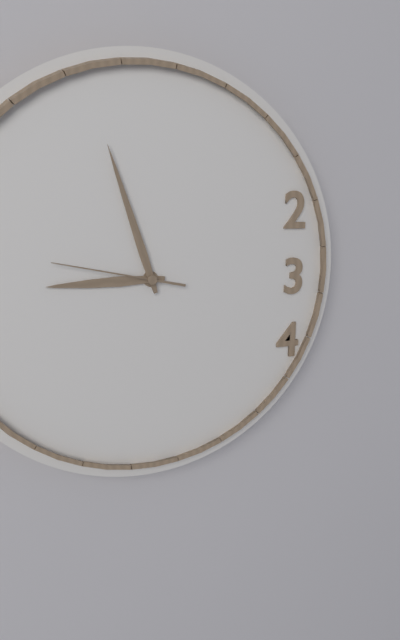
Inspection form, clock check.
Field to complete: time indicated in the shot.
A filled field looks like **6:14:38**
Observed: **8:57:47**
